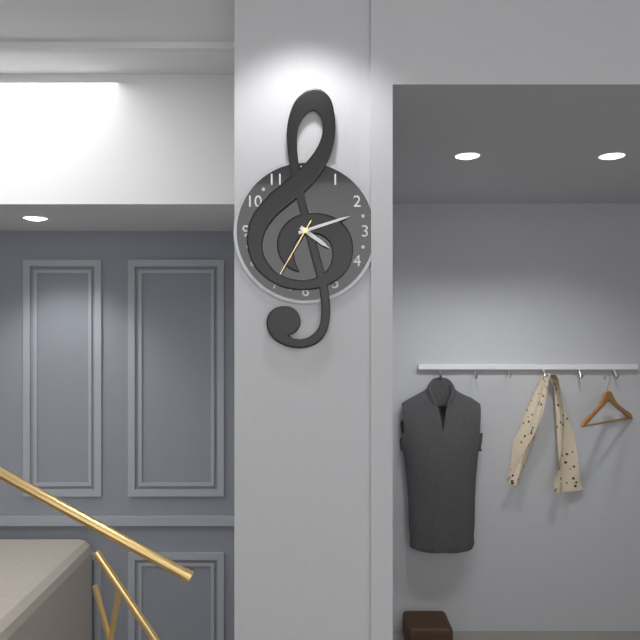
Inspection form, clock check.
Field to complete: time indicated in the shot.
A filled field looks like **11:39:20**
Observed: **4:12:35**
